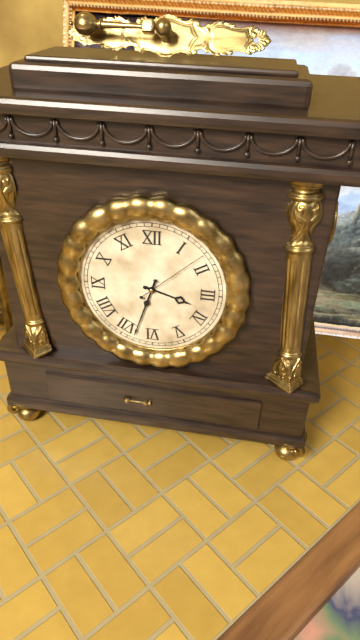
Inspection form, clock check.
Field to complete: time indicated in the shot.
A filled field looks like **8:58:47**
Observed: **3:33:08**
